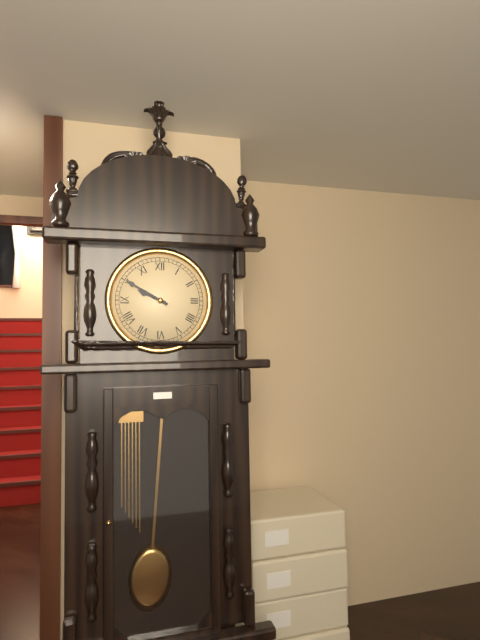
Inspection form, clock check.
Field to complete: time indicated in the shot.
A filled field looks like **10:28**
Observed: **9:50**
